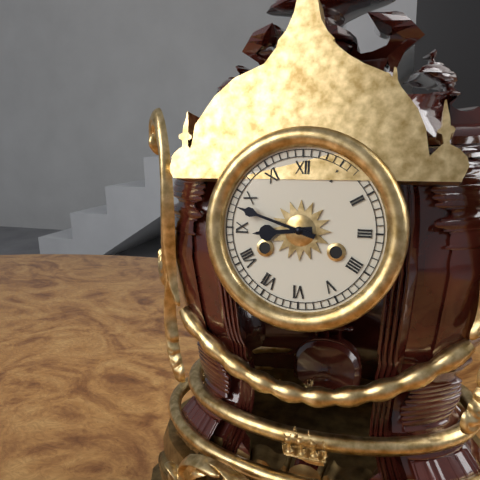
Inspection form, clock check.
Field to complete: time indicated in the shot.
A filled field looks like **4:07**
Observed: **8:48**
